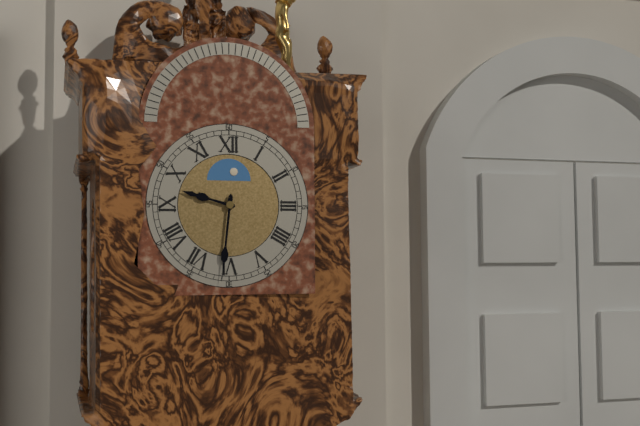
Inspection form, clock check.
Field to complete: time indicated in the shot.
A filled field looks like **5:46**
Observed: **9:31**
